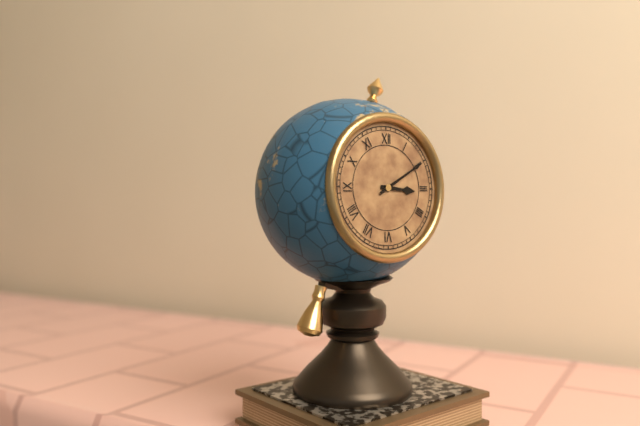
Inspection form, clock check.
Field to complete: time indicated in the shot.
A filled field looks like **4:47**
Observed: **3:10**
